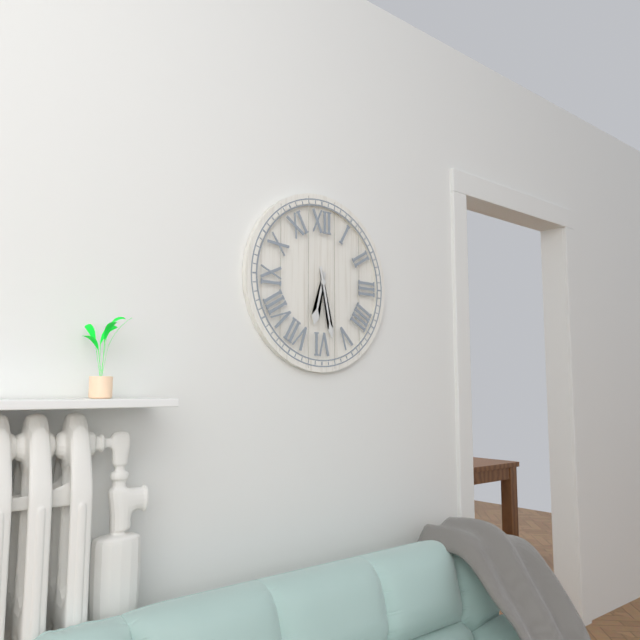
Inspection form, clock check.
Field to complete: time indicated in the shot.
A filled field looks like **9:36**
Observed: **6:28**
